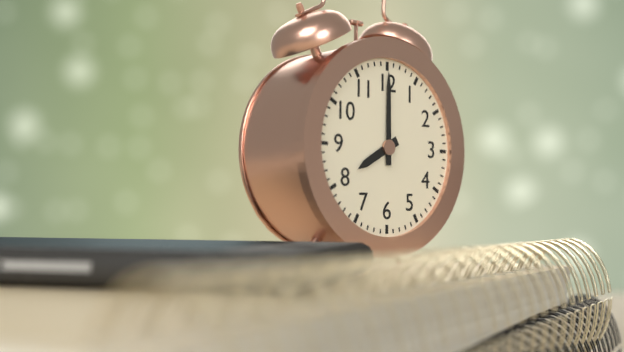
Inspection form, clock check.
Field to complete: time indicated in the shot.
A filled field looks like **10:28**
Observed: **8:00**
